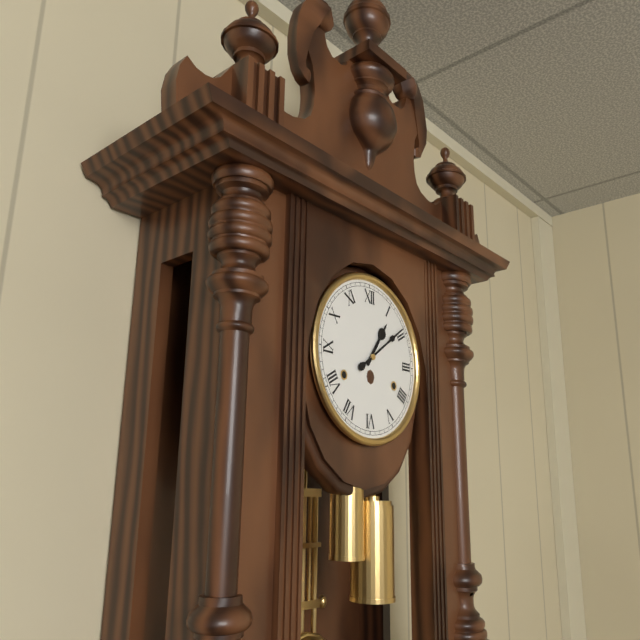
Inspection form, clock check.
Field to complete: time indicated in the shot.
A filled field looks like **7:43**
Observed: **1:09**
